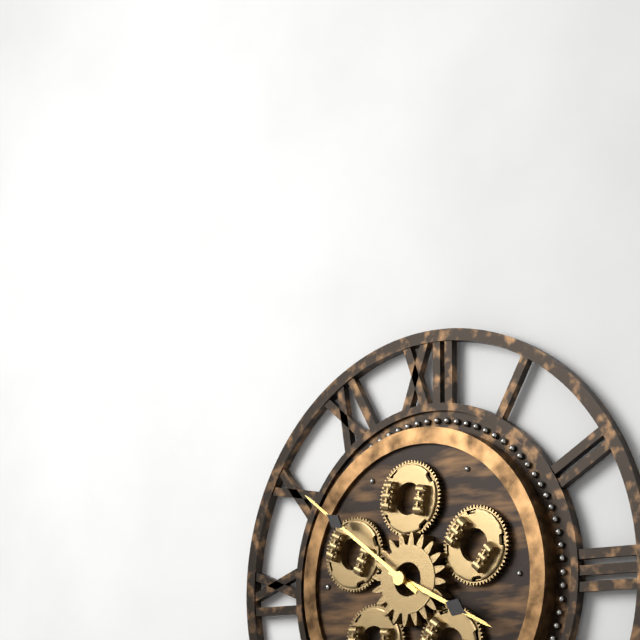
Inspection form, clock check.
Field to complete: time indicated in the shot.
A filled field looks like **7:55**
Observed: **3:51**
